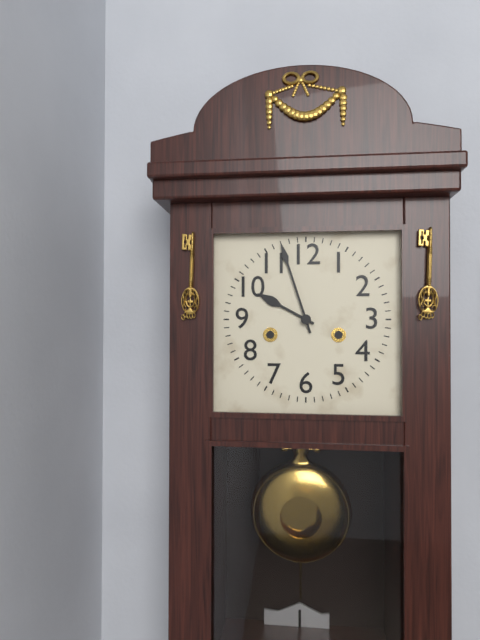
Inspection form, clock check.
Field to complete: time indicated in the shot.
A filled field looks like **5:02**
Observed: **9:57**
